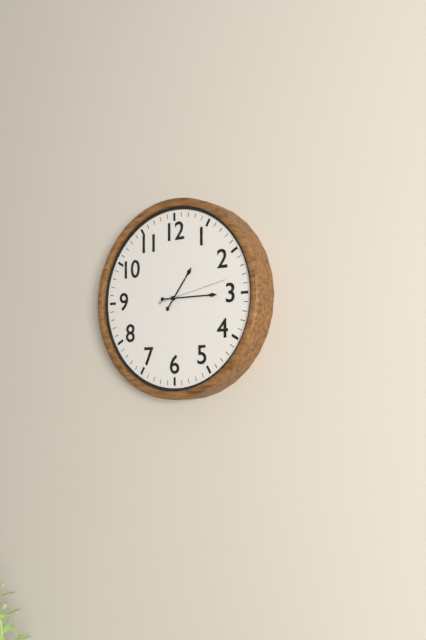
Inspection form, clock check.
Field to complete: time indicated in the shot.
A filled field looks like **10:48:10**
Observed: **1:15:13**
